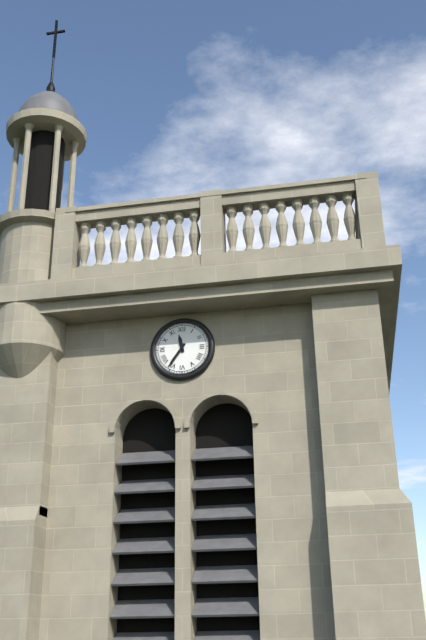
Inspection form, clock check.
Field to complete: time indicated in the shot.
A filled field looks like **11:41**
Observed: **11:36**
